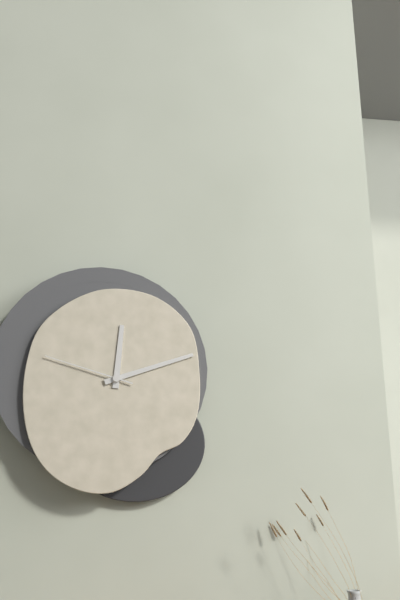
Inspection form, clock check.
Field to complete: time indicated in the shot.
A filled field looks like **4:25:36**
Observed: **12:12:48**
